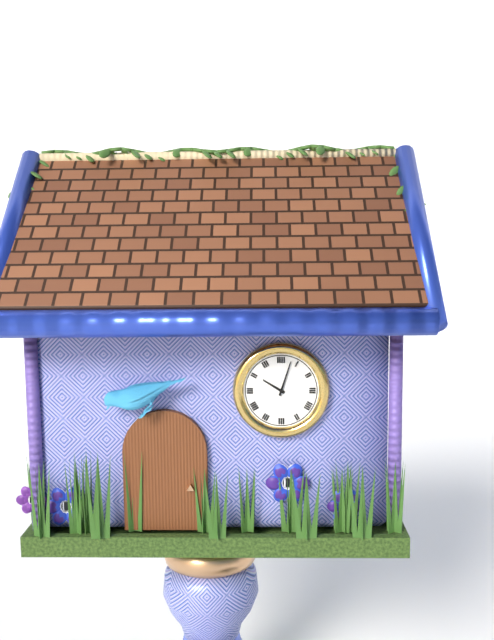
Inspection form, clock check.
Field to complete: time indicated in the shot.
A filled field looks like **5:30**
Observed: **10:03**
